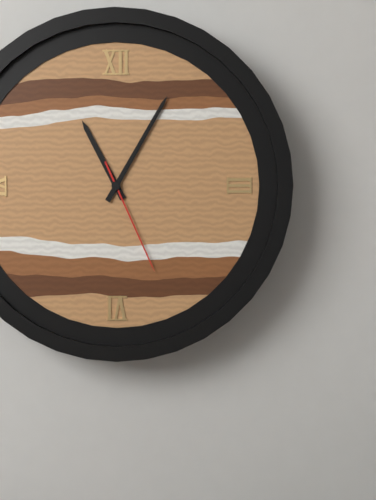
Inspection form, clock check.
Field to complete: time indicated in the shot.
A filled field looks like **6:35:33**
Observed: **11:05:26**
